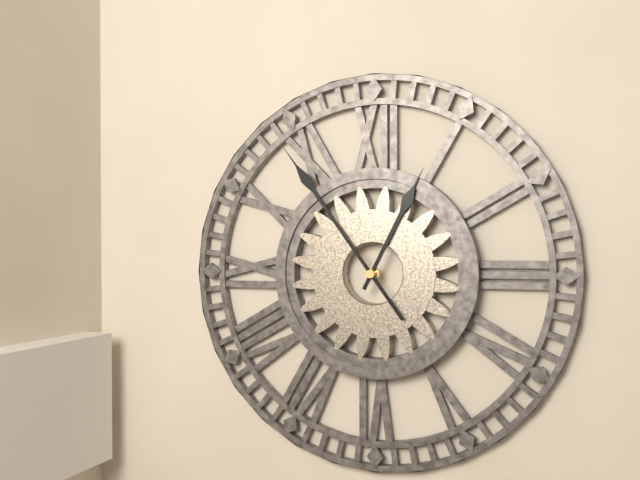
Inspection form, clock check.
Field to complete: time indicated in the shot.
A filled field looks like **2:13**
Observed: **12:54**
